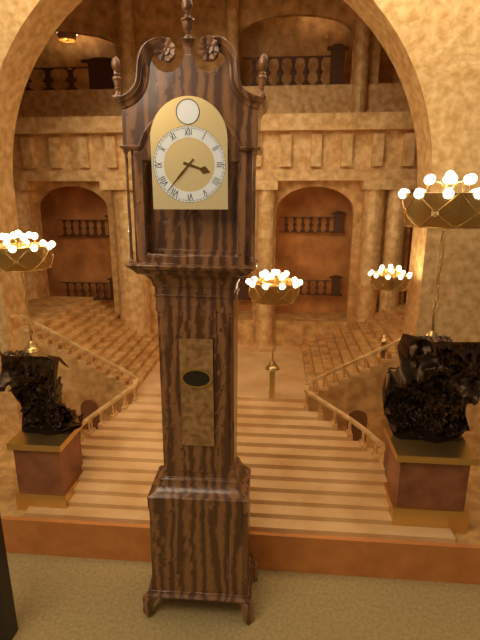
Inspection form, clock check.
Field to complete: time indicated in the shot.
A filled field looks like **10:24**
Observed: **3:37**
